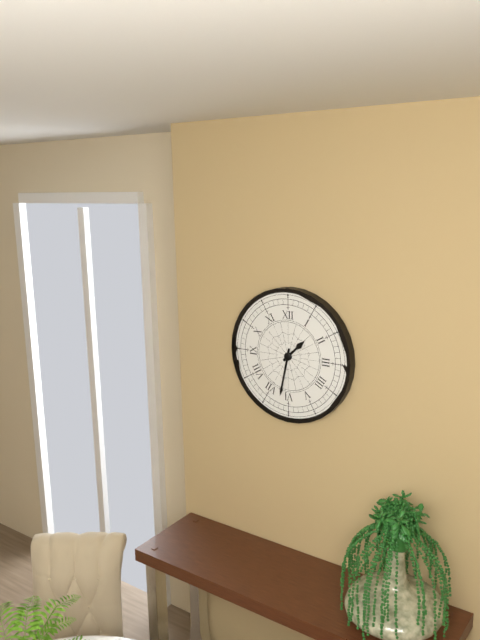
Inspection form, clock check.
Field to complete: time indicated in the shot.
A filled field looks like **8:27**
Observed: **1:32**
